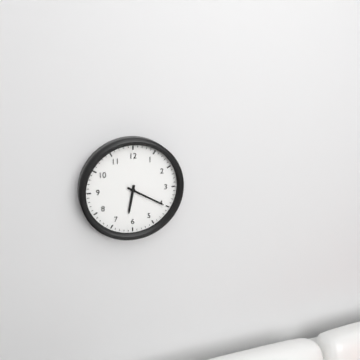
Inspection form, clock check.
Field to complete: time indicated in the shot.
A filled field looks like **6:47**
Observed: **6:20**
